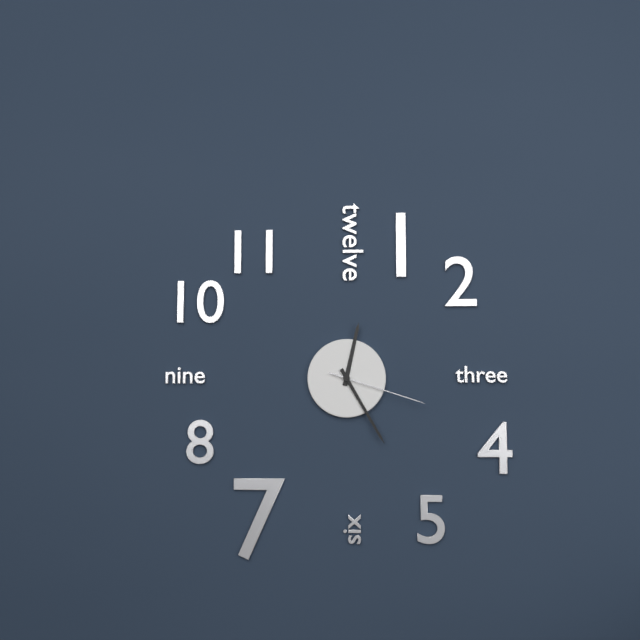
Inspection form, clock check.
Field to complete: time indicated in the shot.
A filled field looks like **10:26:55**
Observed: **12:25:18**
